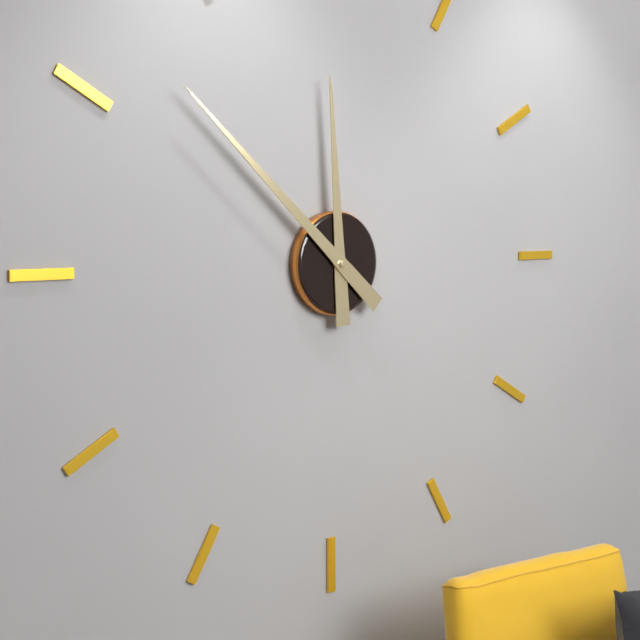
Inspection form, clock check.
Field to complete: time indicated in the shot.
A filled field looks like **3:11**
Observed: **11:52**
